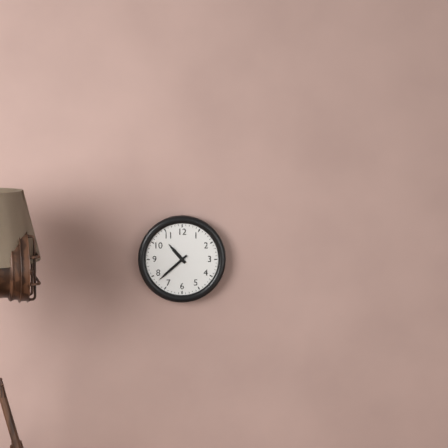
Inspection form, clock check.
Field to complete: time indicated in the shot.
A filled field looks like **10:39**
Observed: **10:38**
